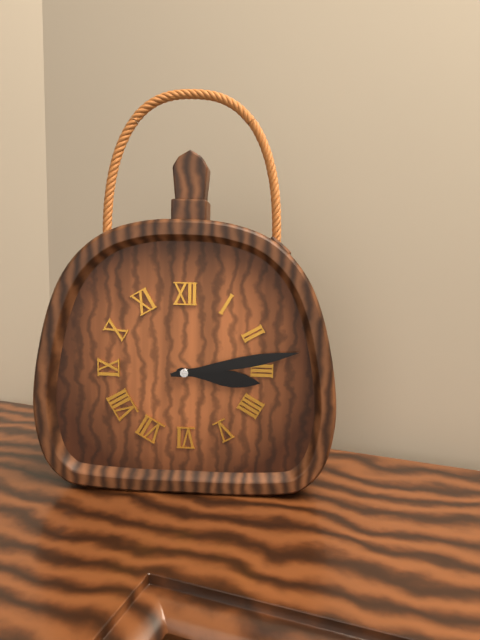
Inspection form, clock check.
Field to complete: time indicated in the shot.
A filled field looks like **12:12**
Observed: **3:13**
